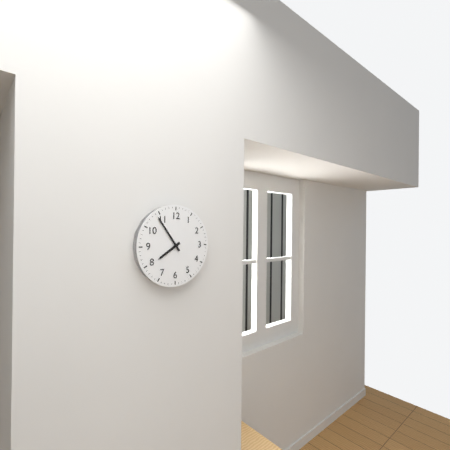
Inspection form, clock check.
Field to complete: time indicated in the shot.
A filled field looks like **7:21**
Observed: **7:54**
